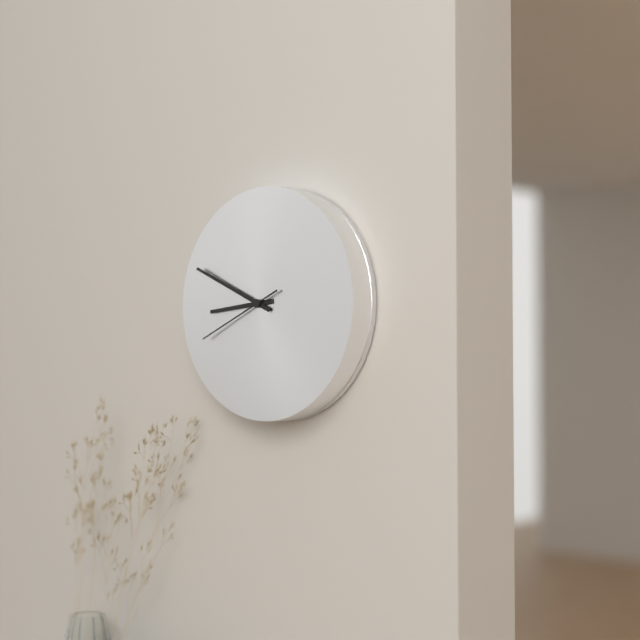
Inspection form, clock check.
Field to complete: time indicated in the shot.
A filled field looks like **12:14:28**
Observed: **8:49:41**
